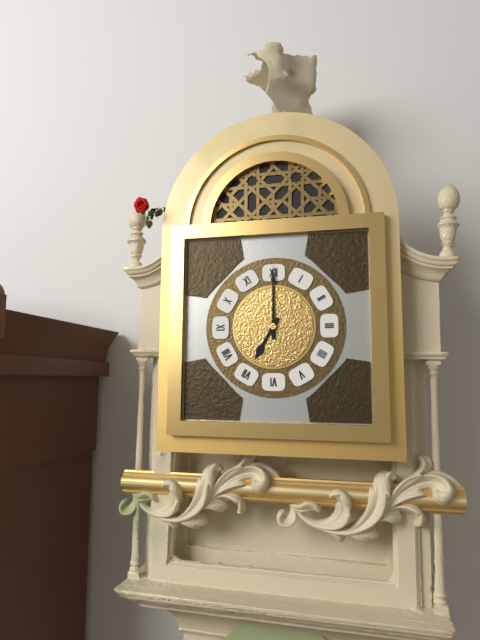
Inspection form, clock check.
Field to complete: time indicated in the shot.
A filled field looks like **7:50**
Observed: **7:00**
